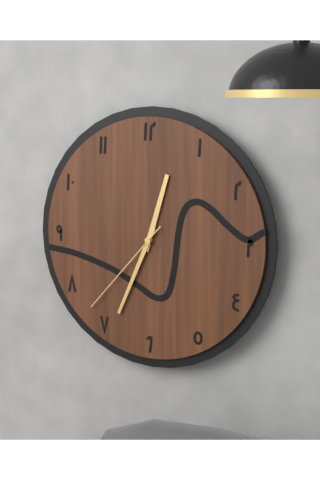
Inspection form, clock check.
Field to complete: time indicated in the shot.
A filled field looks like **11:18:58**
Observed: **12:34:37**
